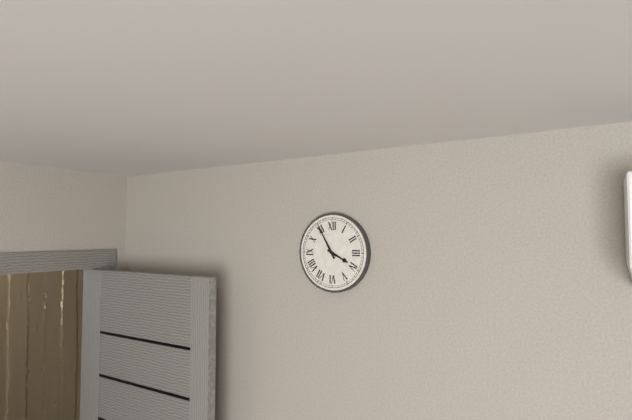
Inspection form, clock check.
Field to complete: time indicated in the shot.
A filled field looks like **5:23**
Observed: **3:55**
